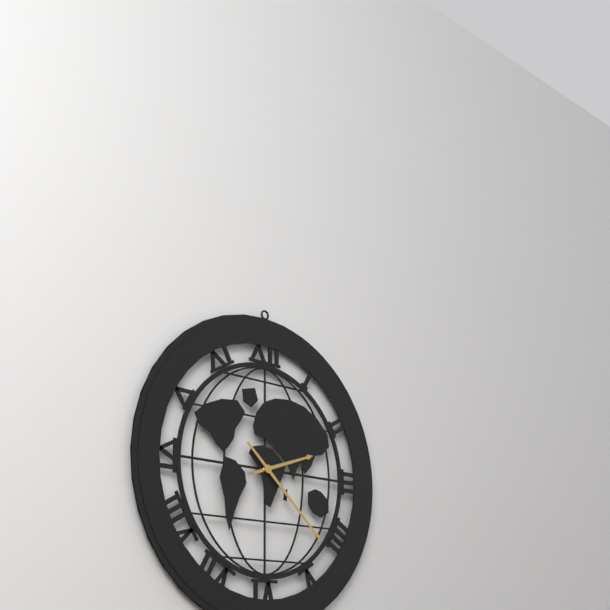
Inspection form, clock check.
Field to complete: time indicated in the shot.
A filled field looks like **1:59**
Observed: **2:22**
